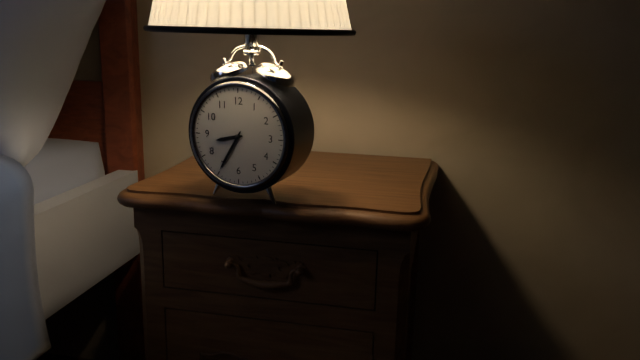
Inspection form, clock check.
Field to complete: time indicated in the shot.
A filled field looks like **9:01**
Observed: **8:35**
